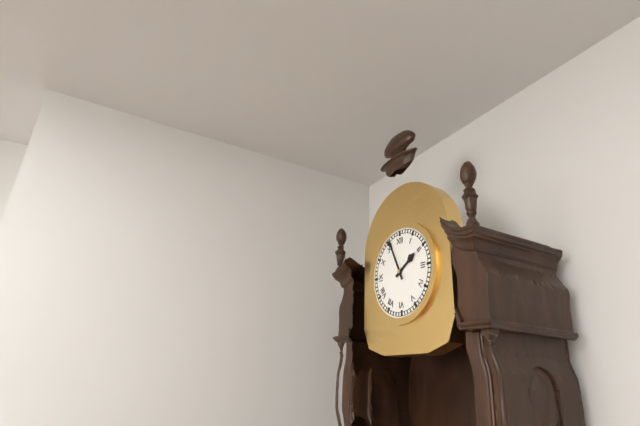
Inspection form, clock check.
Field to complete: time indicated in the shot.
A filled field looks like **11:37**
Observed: **1:56**
